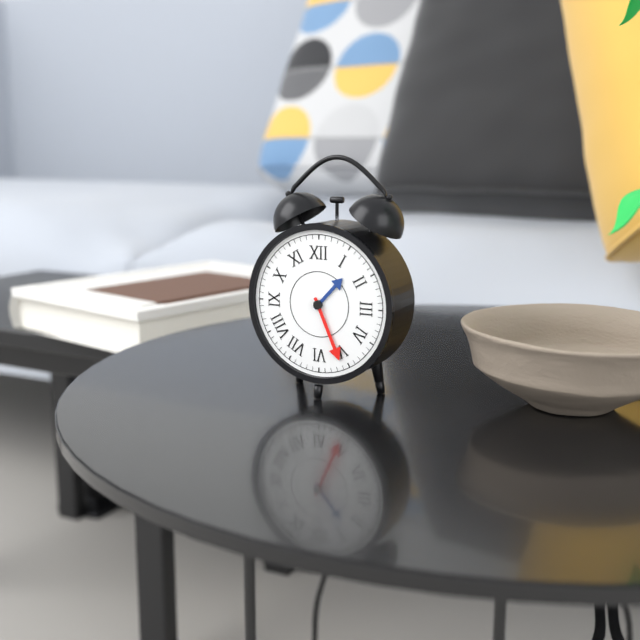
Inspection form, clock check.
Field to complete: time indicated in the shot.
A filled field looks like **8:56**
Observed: **1:26**
